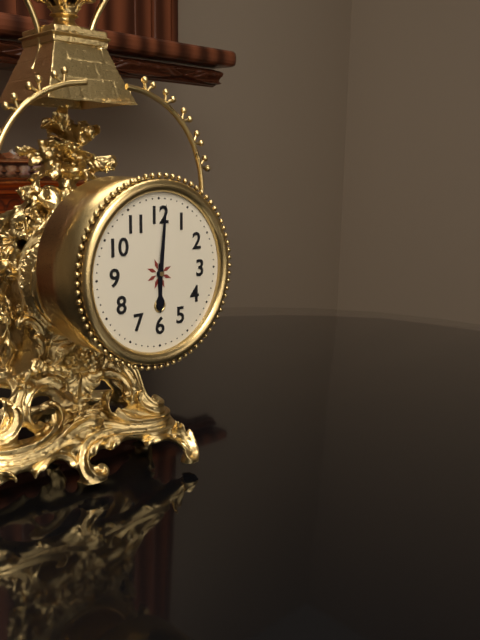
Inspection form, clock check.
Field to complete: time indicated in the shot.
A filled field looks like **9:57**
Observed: **6:01**
